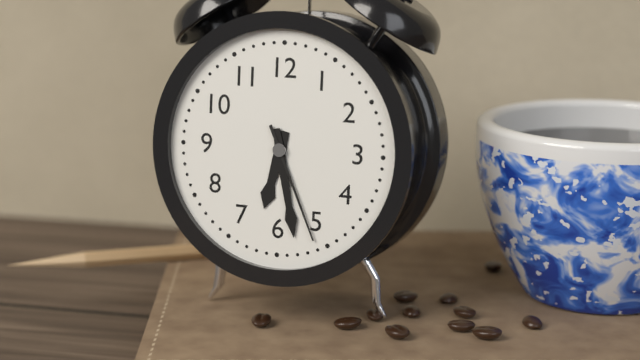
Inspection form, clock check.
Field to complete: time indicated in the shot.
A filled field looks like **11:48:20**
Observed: **6:28:26**
